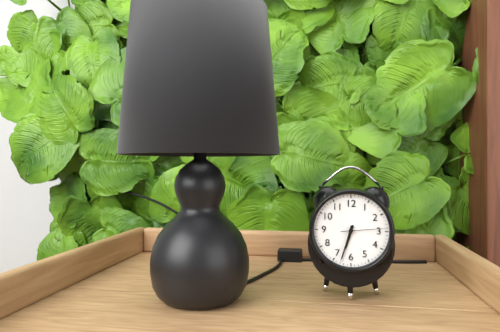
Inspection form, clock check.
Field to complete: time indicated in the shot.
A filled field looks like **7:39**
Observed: **6:33**
